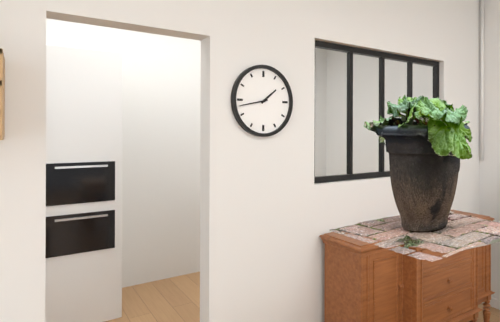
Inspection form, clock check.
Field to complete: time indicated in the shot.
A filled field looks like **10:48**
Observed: **1:43**
